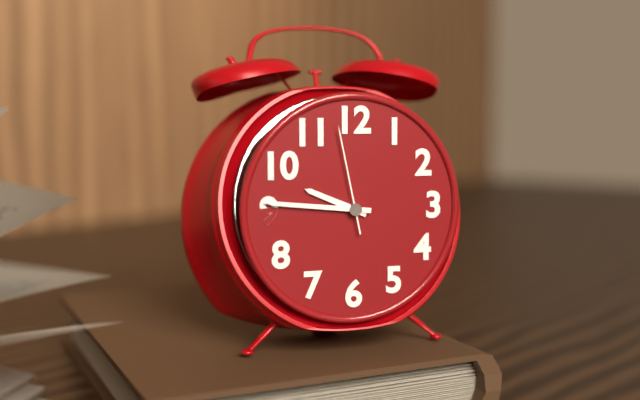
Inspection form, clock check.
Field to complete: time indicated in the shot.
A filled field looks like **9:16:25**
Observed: **9:46:58**
